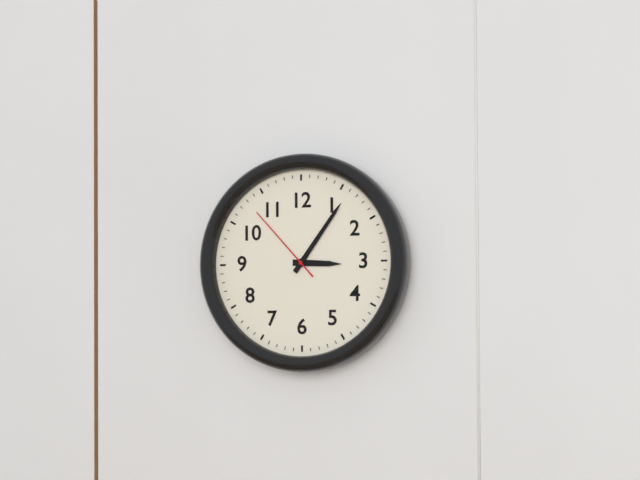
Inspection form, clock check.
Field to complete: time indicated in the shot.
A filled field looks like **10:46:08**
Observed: **3:06:53**
